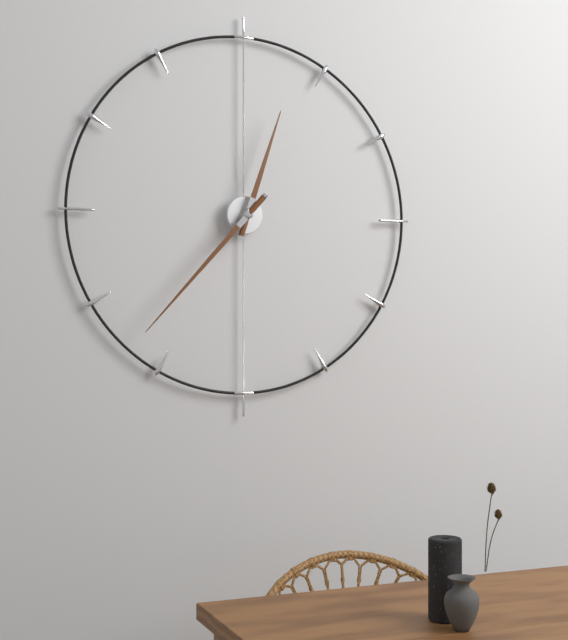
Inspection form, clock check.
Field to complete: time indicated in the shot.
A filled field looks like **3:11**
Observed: **12:37**
